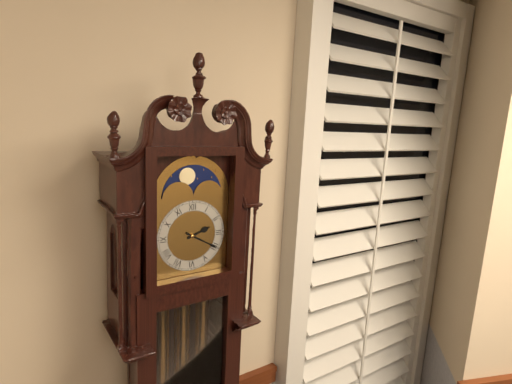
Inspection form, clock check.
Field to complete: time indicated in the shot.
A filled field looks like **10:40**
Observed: **2:20**
